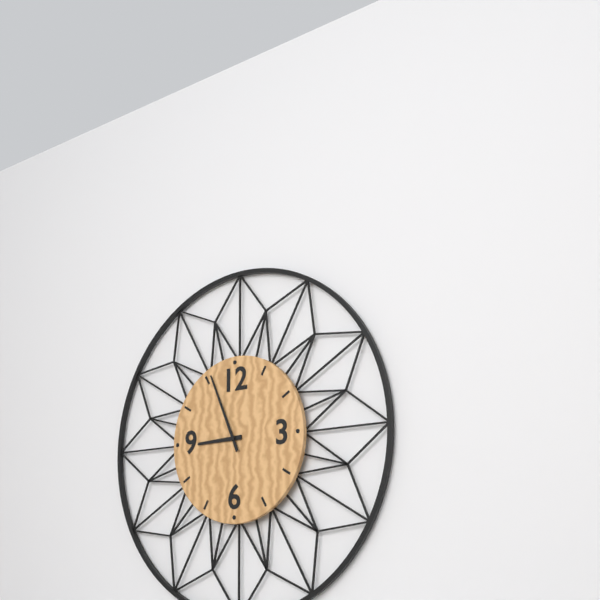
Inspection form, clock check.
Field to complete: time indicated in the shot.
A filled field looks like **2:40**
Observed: **8:56**
